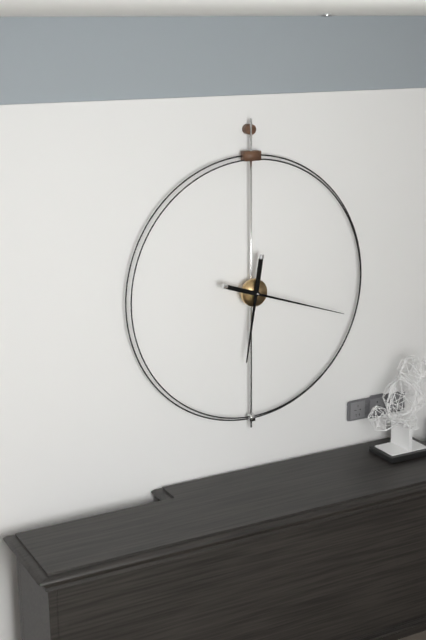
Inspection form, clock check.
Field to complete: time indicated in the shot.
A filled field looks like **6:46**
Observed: **6:18**
